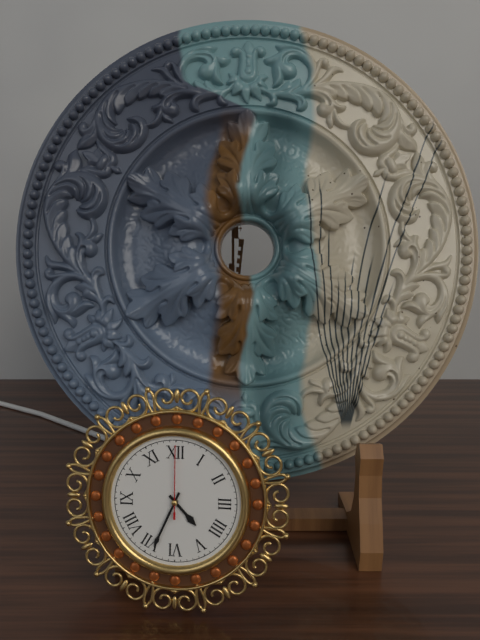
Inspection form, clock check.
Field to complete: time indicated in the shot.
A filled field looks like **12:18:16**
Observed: **4:34:00**
